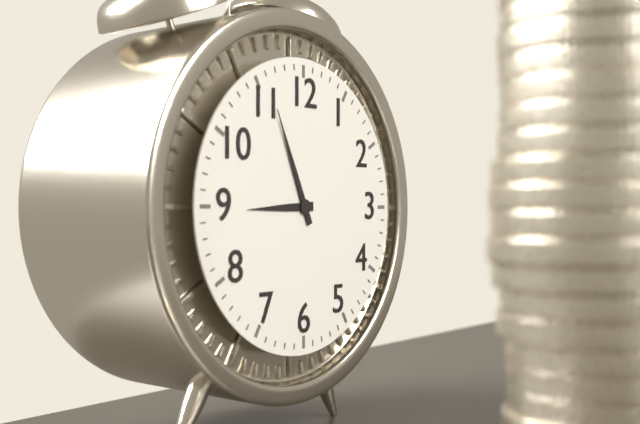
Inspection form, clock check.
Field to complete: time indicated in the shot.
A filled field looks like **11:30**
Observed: **8:56**
